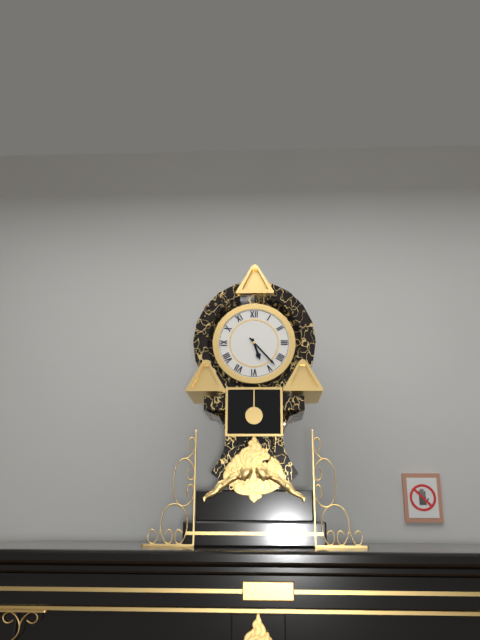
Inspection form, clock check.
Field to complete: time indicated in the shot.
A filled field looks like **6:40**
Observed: **5:23**
